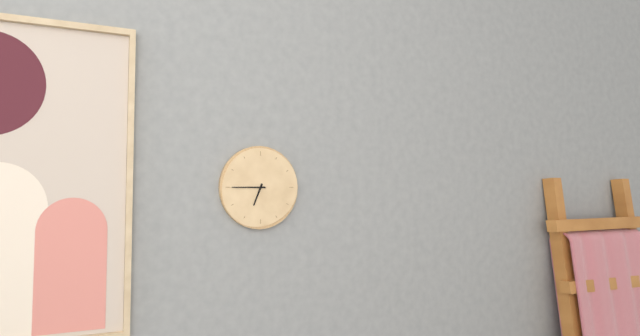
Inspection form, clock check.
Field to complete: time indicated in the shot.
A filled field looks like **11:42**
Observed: **6:45**
